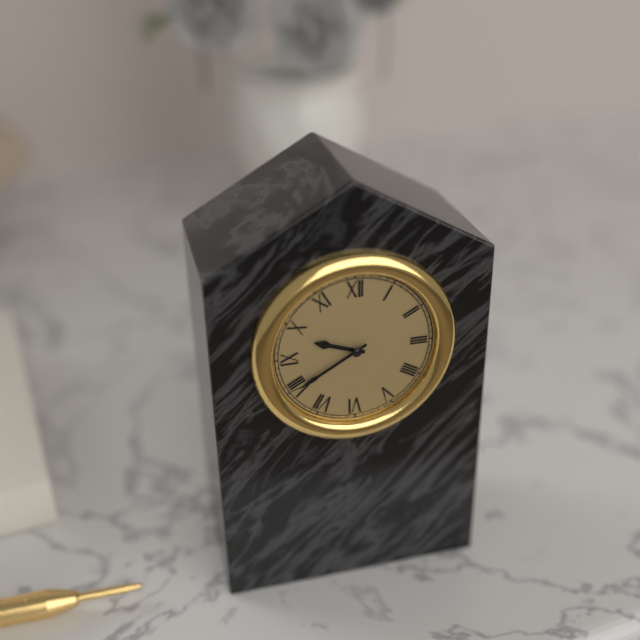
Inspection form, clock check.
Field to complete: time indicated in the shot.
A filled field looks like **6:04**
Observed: **9:40**
